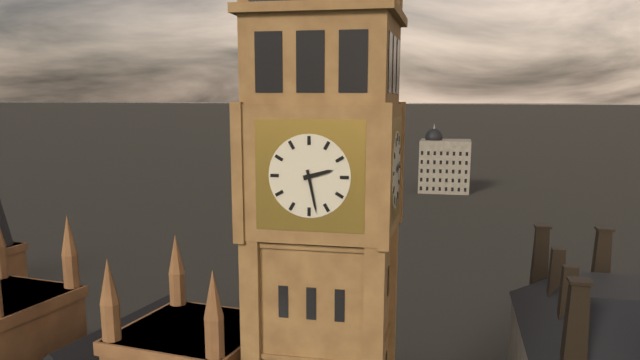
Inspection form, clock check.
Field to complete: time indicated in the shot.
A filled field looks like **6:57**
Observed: **2:28**
